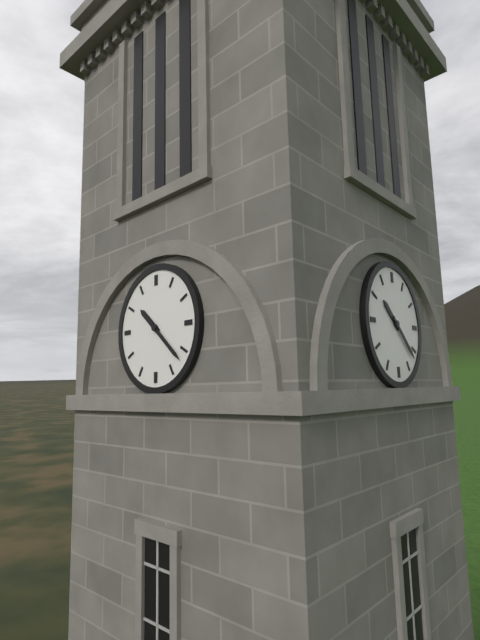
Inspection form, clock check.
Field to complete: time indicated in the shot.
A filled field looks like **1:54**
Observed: **10:22**
